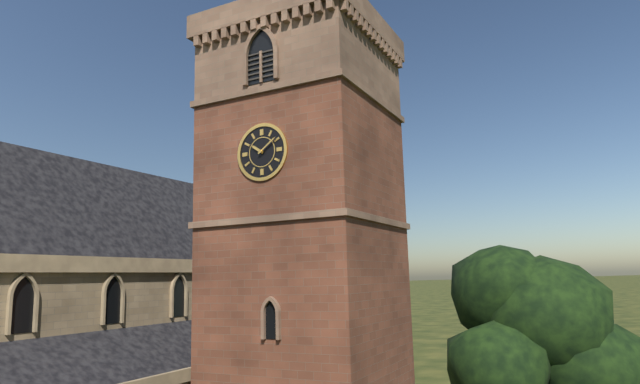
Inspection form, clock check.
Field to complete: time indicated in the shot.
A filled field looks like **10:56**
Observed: **10:09**
